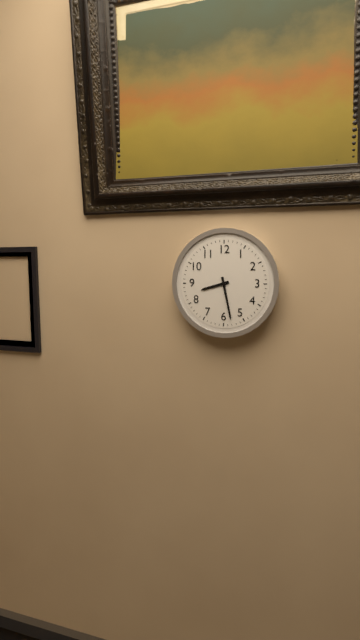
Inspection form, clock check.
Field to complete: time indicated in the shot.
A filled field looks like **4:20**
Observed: **8:28**
